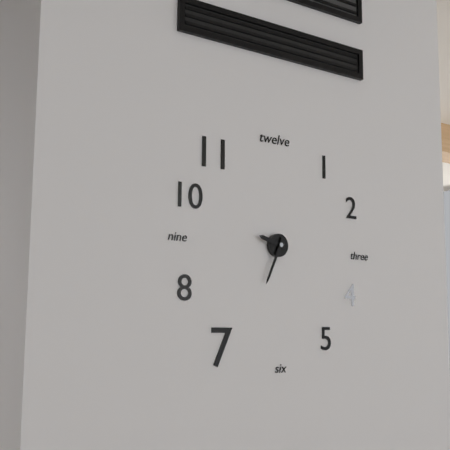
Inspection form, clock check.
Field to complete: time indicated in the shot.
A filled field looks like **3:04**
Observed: **9:34**
